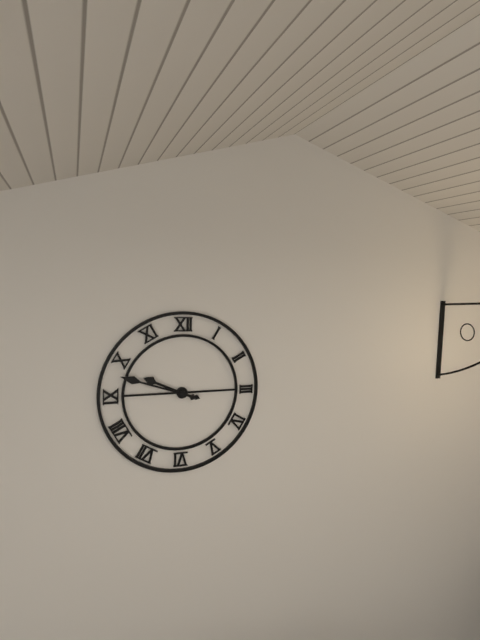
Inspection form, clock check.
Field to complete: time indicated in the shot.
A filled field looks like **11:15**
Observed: **9:48**
